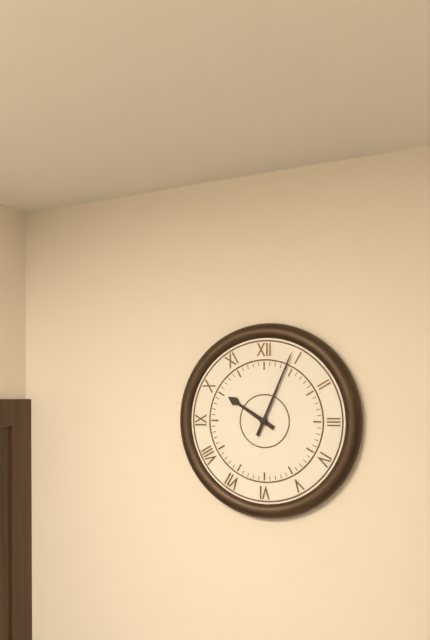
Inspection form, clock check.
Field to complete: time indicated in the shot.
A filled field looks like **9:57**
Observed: **10:04**
